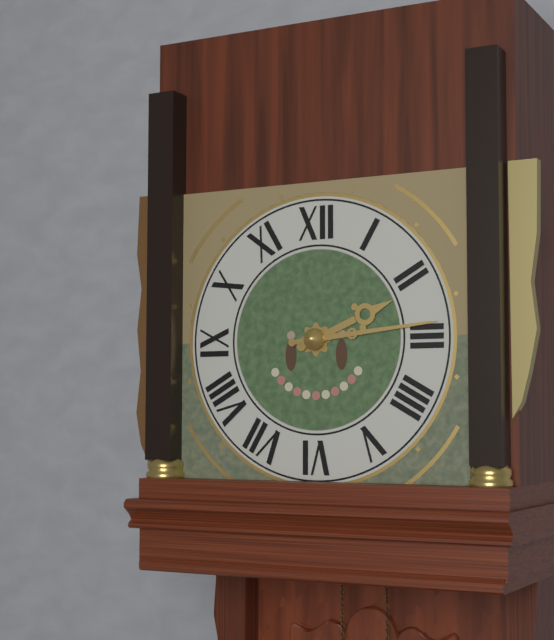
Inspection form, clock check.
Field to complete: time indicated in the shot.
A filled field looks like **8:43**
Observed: **2:14**
